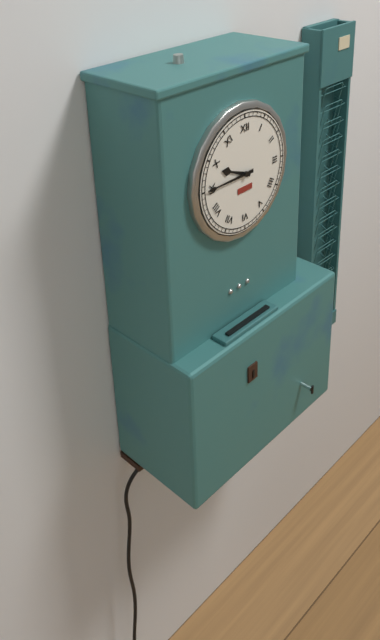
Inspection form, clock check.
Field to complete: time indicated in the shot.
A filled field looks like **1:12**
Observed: **9:45**
